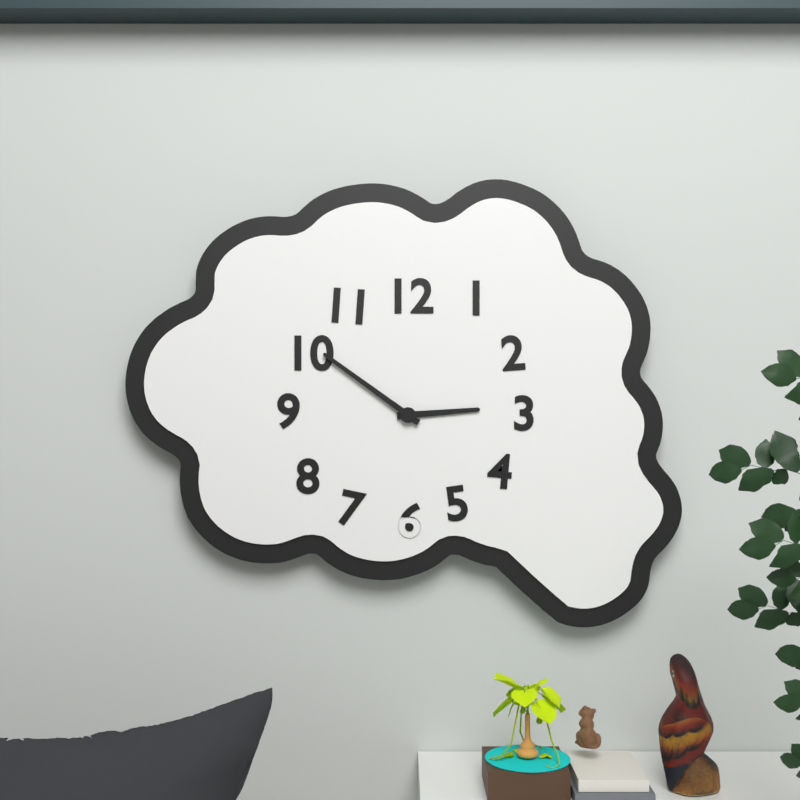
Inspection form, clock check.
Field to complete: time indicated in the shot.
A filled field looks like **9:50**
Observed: **2:51**
